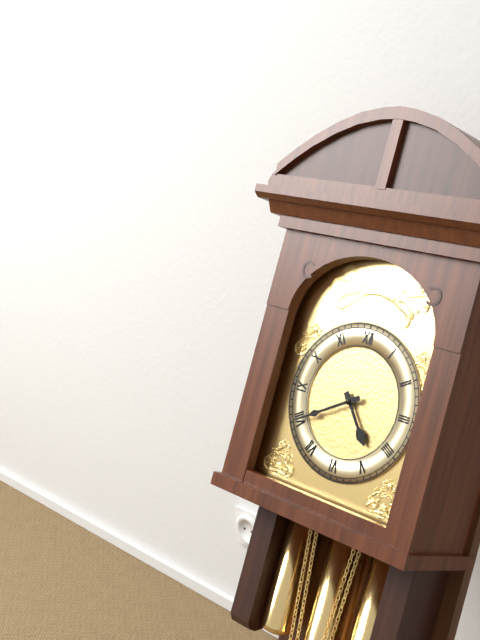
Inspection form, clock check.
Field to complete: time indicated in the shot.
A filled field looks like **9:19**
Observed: **4:40**
